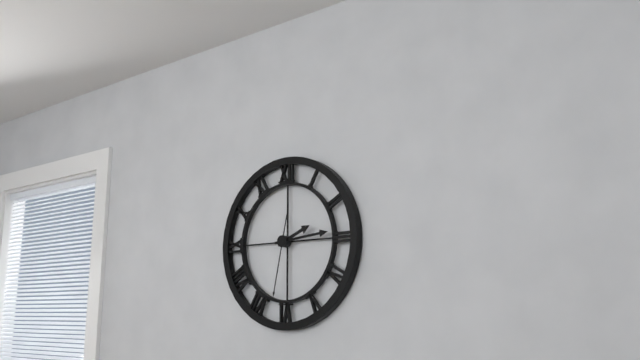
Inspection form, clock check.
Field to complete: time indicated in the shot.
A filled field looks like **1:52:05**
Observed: **2:14:32**
